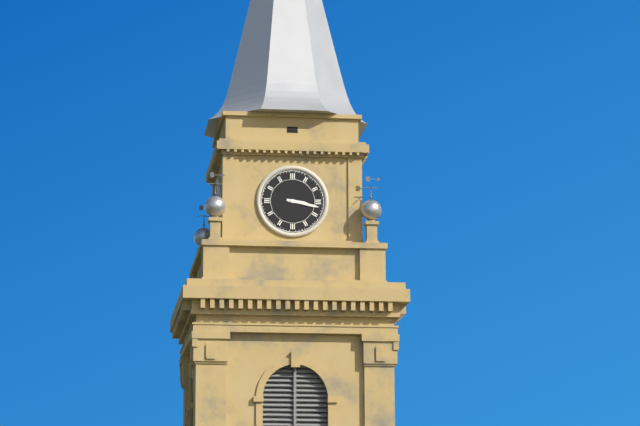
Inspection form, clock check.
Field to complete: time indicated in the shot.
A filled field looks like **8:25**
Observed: **3:17**
